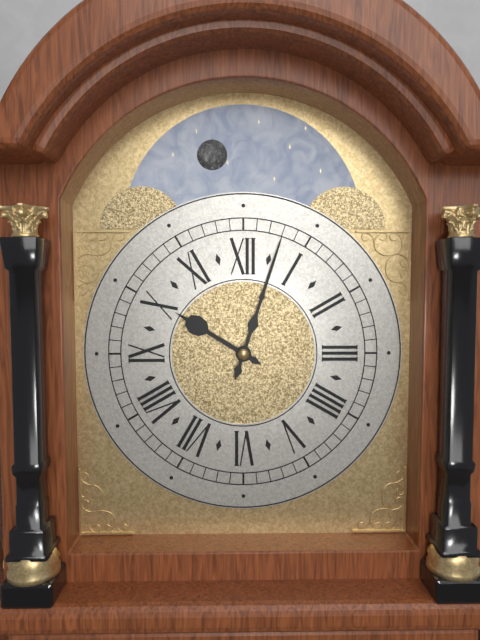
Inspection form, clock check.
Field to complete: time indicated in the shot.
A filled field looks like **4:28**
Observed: **10:03**
